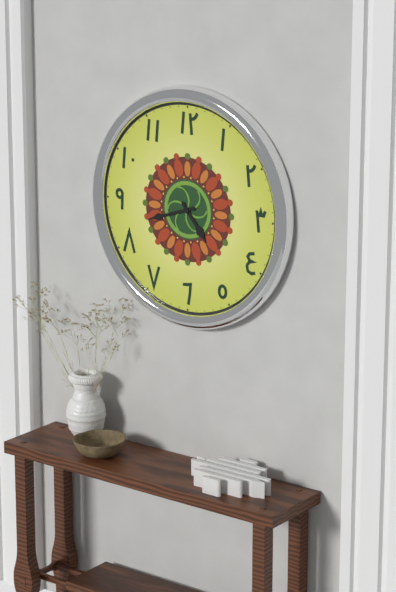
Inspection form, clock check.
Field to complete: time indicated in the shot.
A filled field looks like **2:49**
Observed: **4:42**
